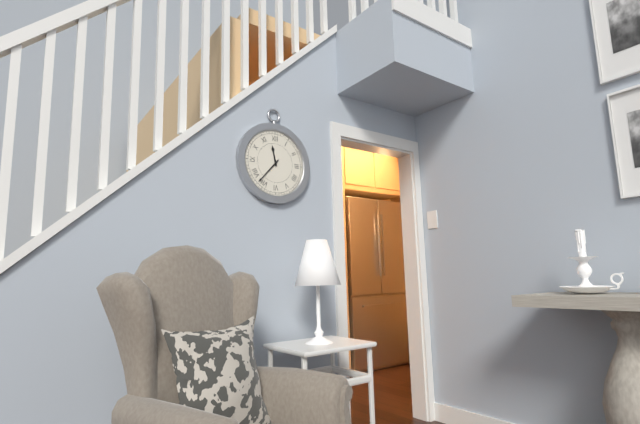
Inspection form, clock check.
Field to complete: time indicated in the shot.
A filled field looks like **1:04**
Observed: **11:37**
